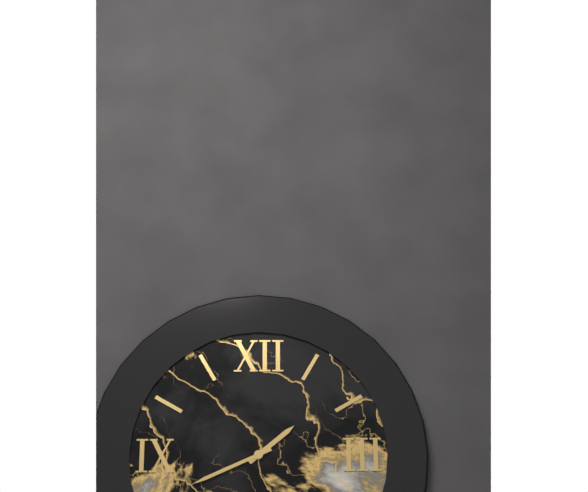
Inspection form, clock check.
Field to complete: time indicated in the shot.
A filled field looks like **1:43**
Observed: **1:41**
